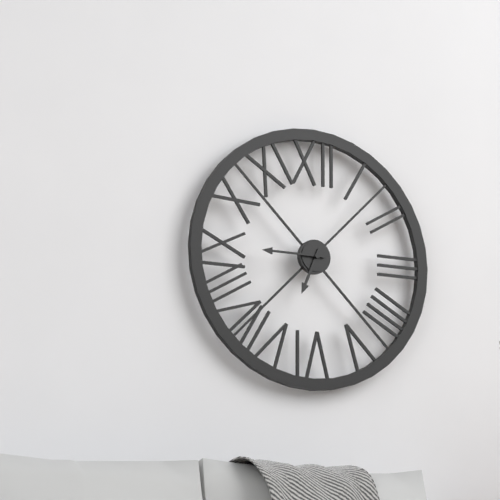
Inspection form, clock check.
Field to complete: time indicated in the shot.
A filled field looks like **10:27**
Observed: **6:45**
